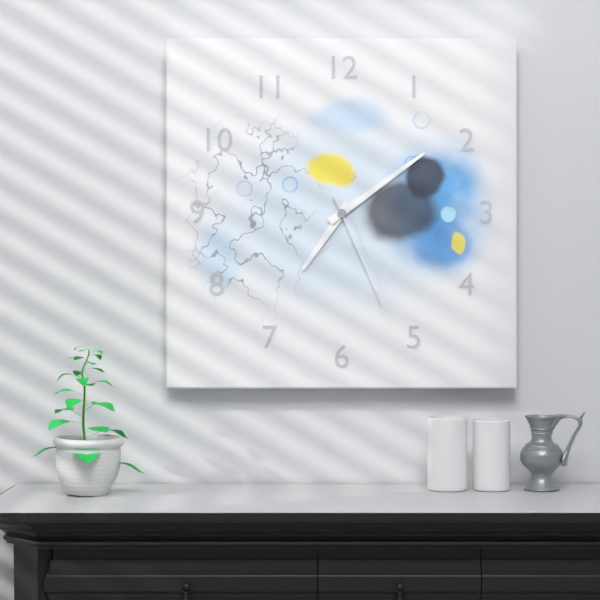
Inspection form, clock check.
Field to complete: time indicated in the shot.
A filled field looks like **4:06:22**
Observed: **7:09:26**
